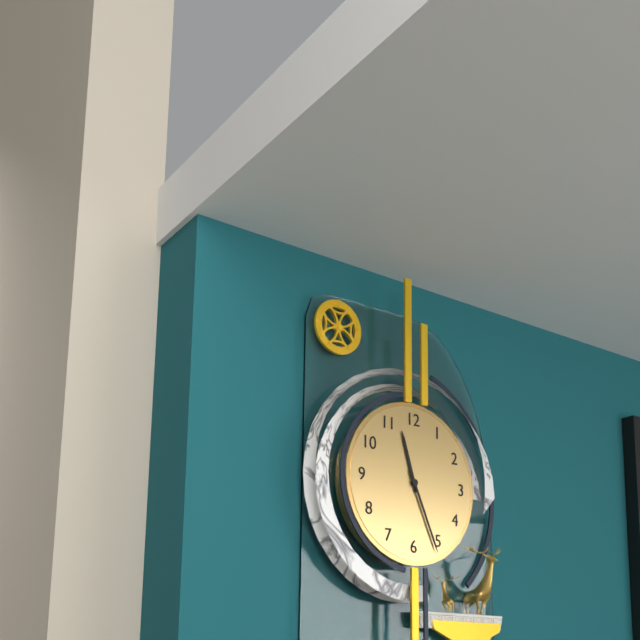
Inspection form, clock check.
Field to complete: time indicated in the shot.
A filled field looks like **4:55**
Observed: **11:26**
